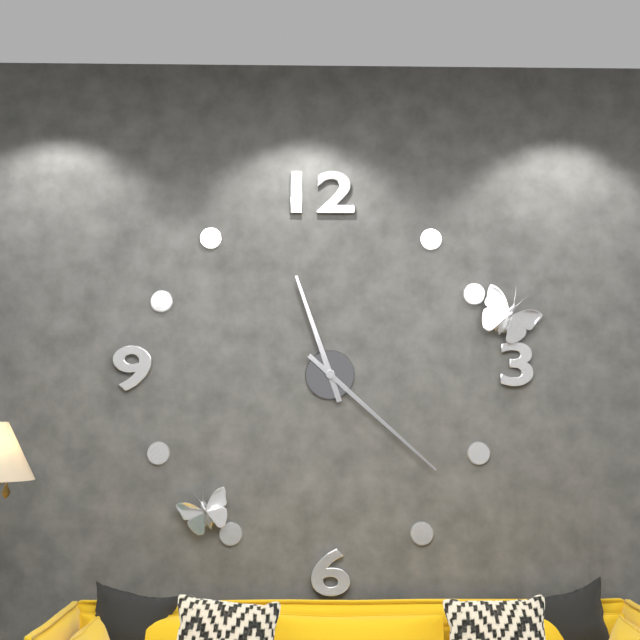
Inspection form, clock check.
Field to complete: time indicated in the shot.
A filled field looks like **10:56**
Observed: **11:22**
